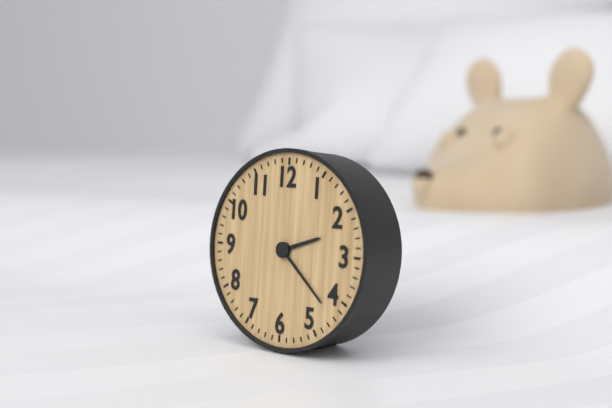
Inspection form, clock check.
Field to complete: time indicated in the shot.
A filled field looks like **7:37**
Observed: **2:22**
